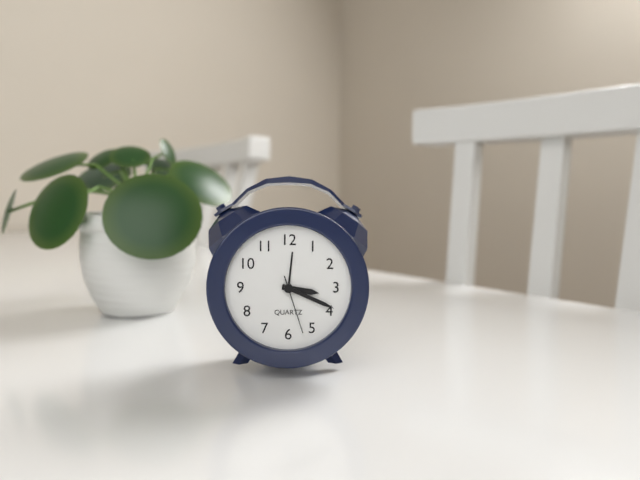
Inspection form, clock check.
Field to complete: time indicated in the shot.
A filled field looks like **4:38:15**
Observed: **3:19:27**
